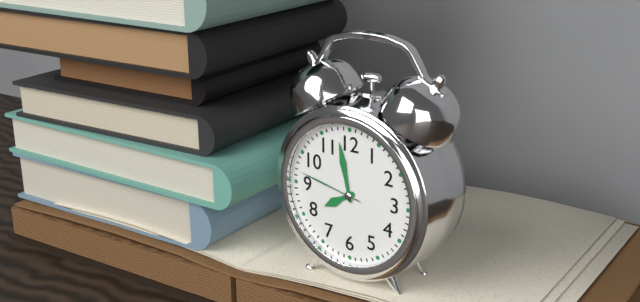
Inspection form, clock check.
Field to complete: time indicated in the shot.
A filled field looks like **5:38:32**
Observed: **7:58:47**
